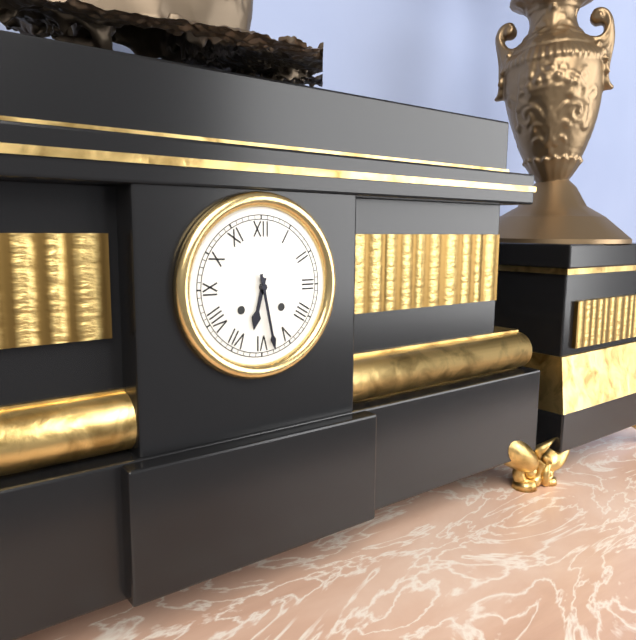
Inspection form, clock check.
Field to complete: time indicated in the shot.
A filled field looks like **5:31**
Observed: **6:28**
